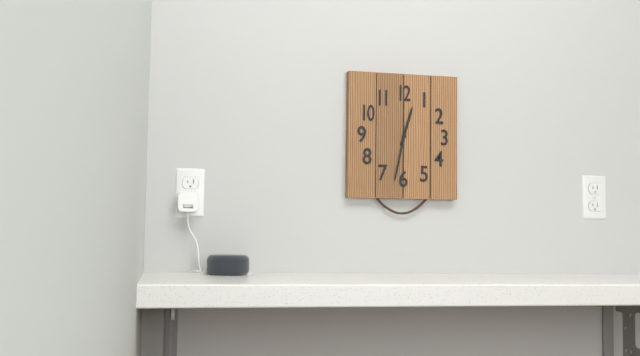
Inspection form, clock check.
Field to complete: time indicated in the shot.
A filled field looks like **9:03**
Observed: **12:32**
